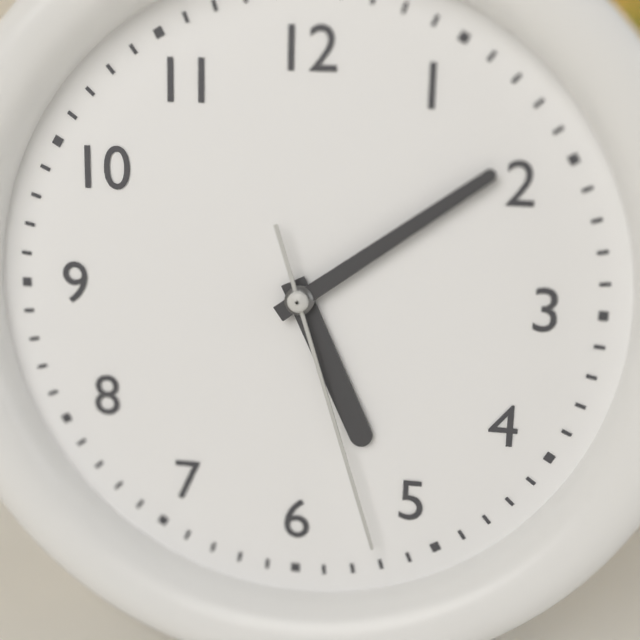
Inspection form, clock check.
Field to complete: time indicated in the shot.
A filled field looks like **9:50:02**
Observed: **5:09:27**
